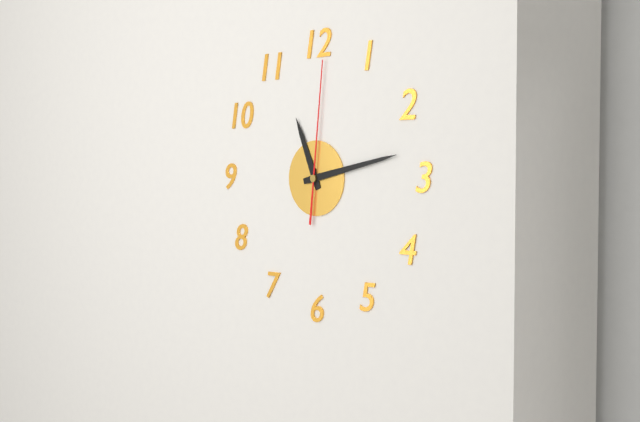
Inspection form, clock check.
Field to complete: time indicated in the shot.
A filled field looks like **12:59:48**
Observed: **11:13:01**
